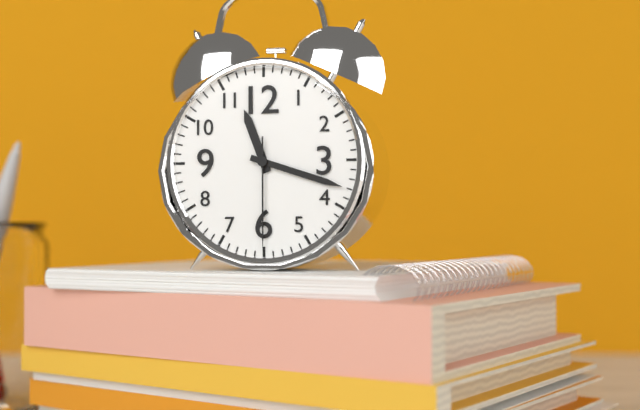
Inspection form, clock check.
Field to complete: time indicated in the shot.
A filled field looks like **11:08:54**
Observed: **11:18:30**
